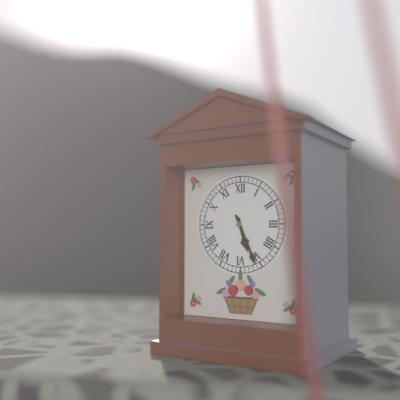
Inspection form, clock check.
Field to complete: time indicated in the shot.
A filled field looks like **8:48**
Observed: **5:26**
